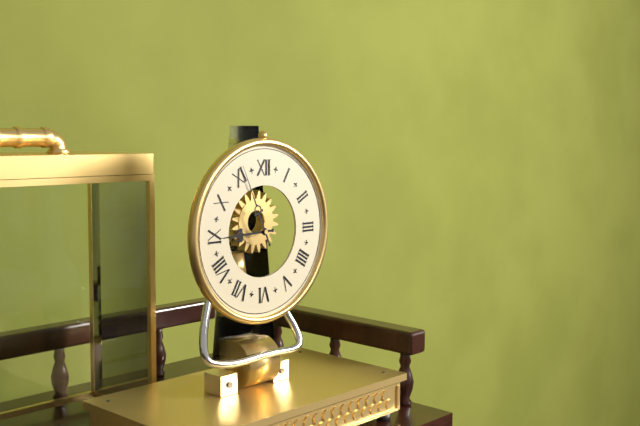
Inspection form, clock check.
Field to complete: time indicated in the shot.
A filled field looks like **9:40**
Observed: **8:56**
